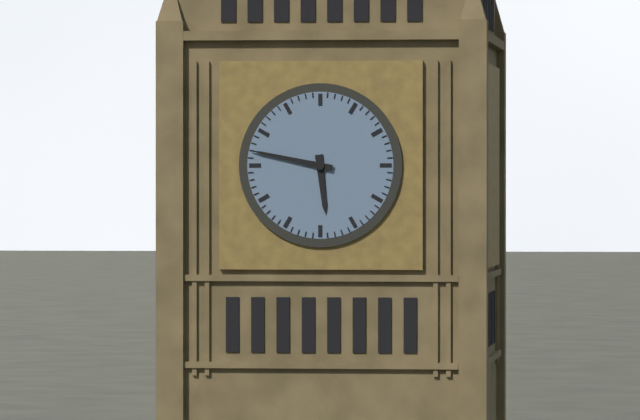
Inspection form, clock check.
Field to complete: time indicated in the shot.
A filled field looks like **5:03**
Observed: **5:47**
